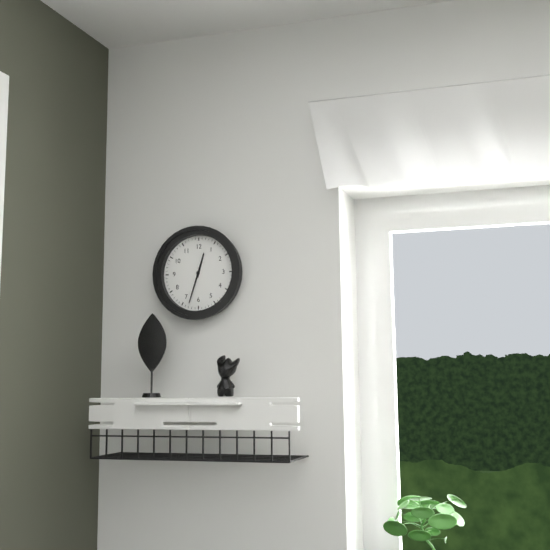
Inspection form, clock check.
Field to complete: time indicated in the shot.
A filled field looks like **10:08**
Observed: **12:33**
